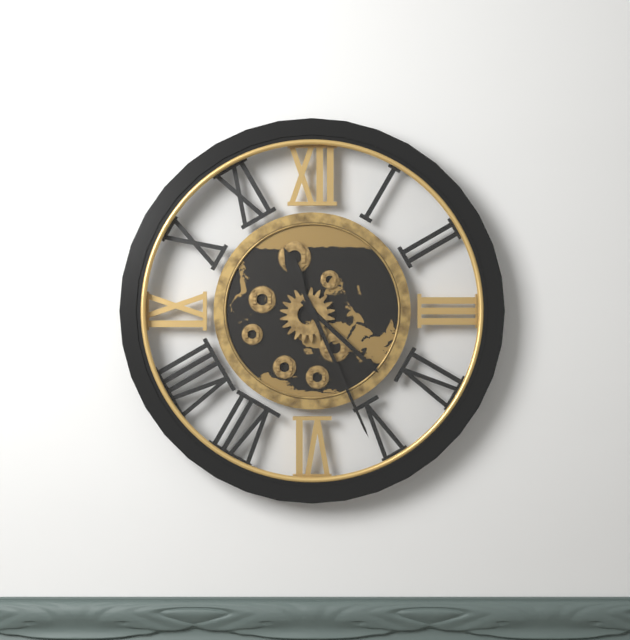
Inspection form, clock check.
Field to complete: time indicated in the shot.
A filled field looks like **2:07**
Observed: **4:26**
